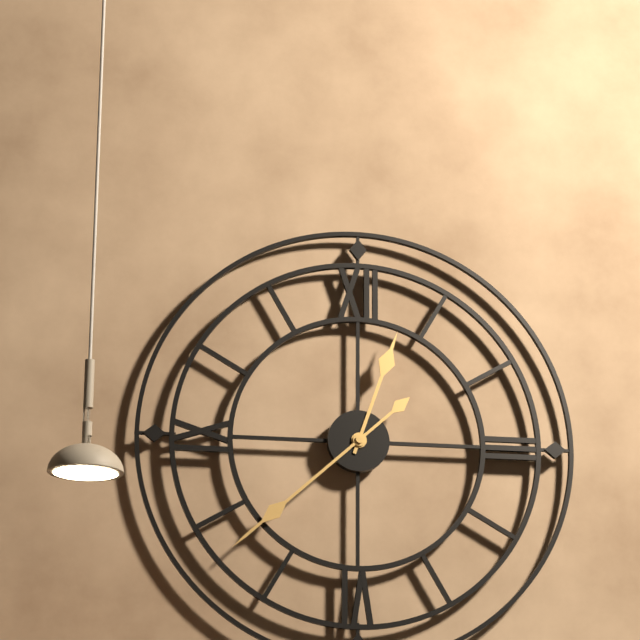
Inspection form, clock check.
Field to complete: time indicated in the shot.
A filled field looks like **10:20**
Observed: **12:38**
